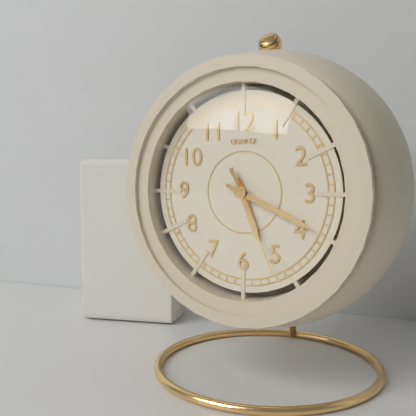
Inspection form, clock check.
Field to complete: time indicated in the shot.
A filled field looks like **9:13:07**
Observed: **5:19:26**
